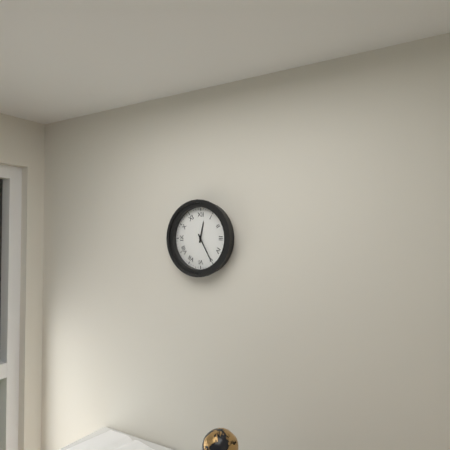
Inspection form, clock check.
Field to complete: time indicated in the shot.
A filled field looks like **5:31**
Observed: **12:25**
